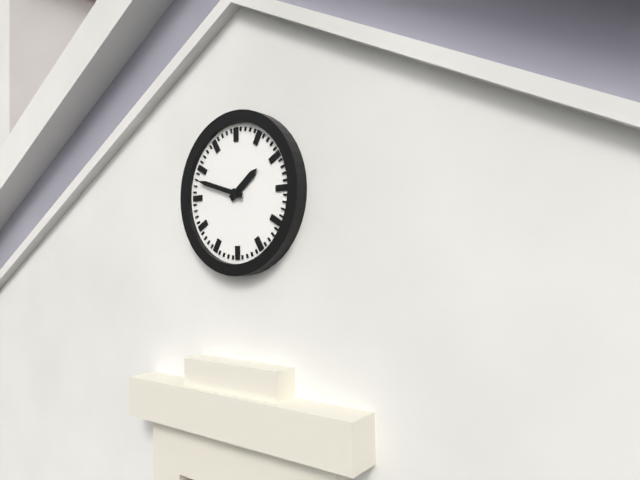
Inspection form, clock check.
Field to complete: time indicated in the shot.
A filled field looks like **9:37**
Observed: **1:48**
